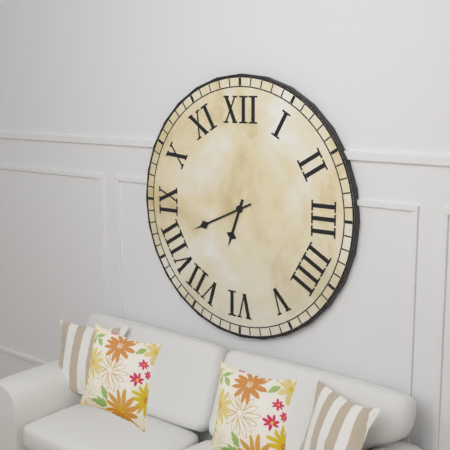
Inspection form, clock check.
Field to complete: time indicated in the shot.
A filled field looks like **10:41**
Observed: **6:41**
